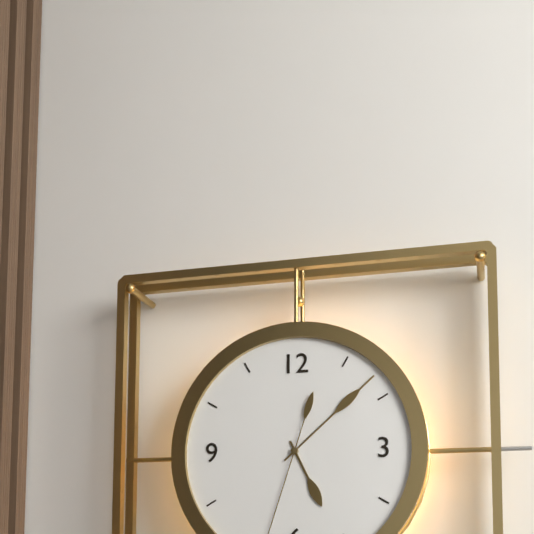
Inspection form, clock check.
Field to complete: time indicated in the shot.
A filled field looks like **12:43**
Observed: **5:08**
